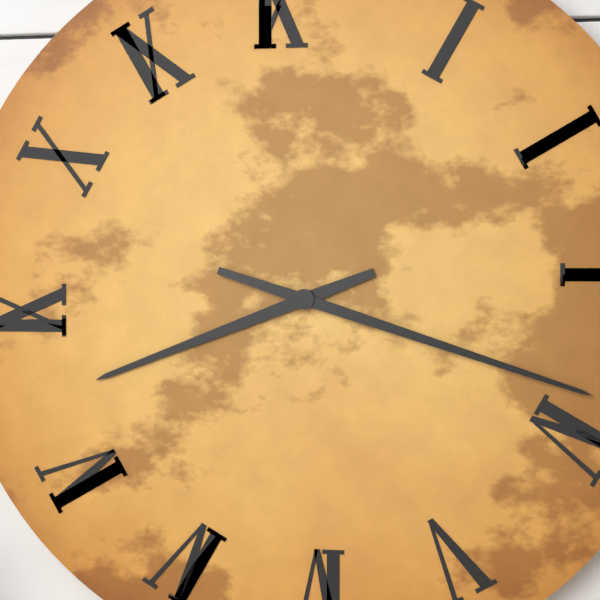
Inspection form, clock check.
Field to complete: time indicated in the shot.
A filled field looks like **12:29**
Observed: **8:18**
